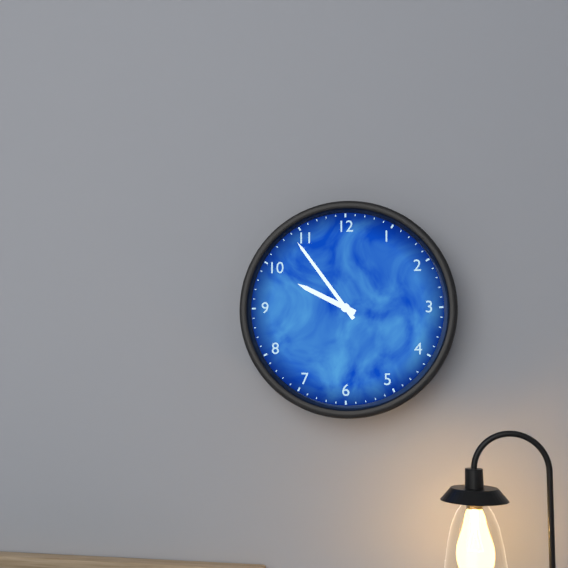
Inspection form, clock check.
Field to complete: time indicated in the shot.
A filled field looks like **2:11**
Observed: **9:54**
